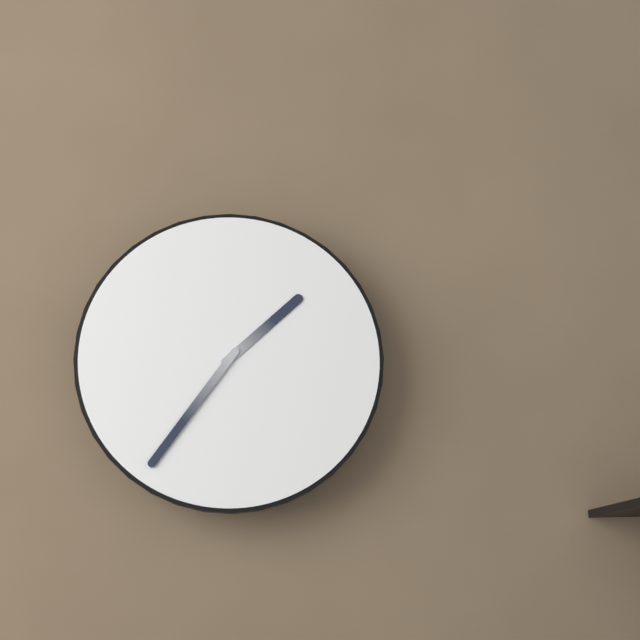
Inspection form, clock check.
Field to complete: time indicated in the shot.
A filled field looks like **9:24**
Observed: **1:36**
